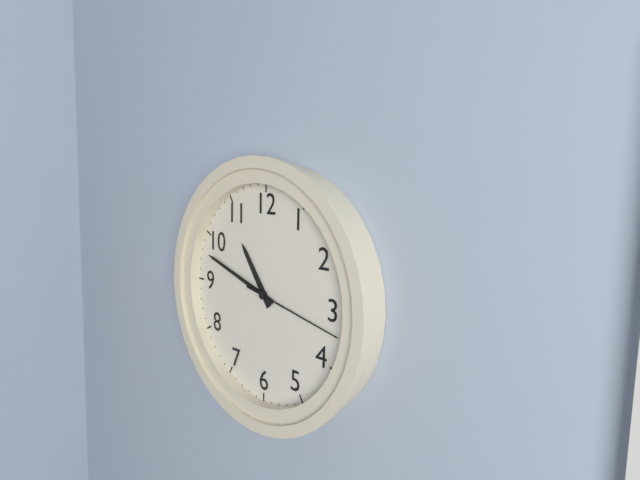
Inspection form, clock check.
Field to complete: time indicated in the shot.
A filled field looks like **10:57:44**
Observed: **10:48:17**
